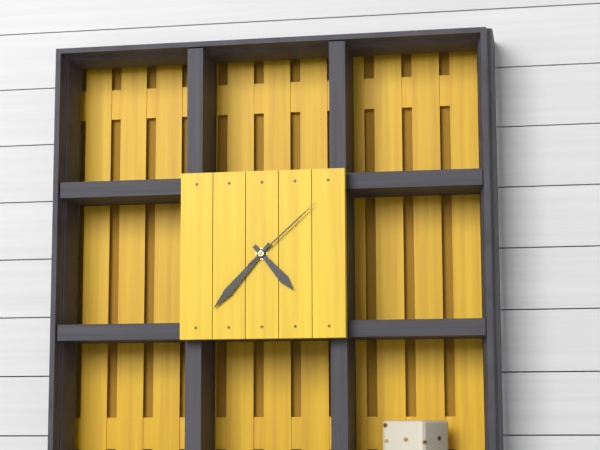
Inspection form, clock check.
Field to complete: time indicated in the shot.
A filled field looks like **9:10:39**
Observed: **4:37:08**
